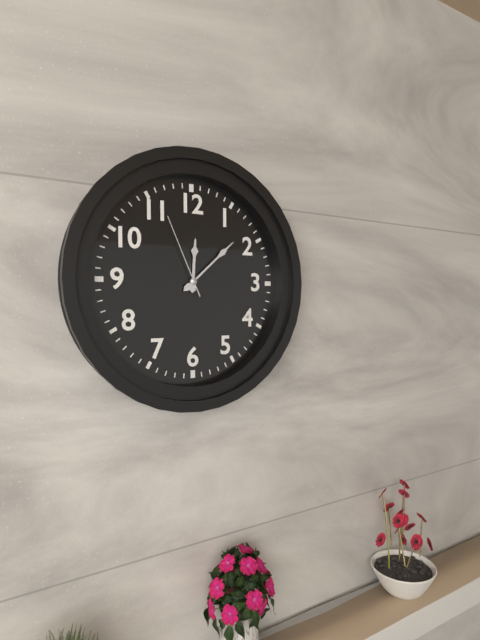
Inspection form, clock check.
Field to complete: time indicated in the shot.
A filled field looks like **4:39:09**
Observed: **12:08:56**
